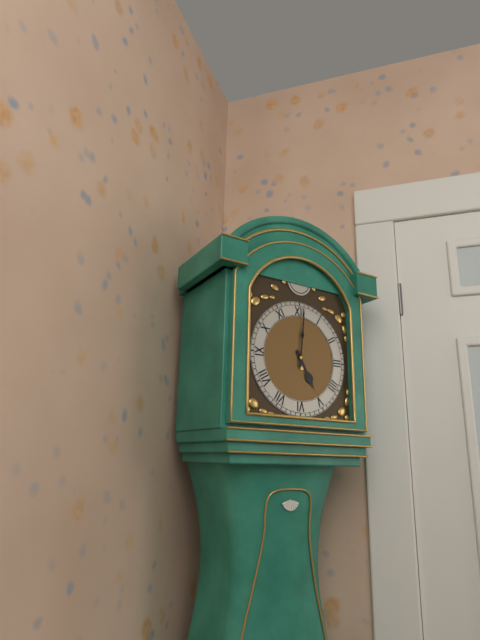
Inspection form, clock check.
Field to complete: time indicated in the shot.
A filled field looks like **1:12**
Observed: **5:01**
